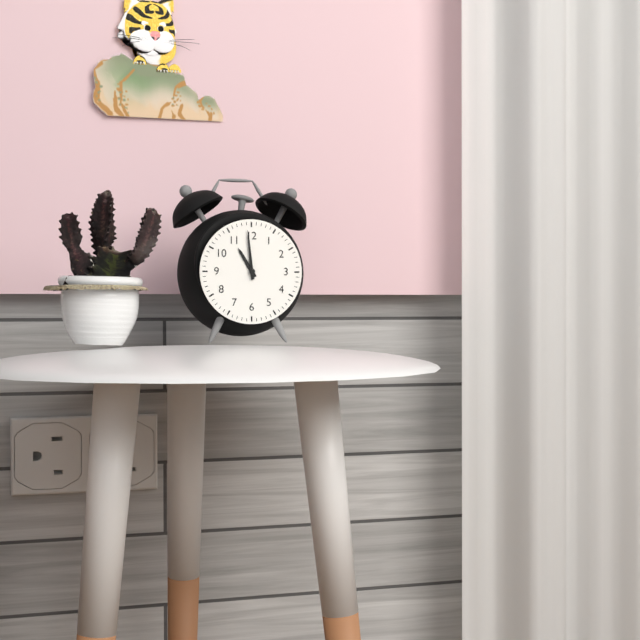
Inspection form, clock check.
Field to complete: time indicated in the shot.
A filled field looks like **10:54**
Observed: **10:59**
